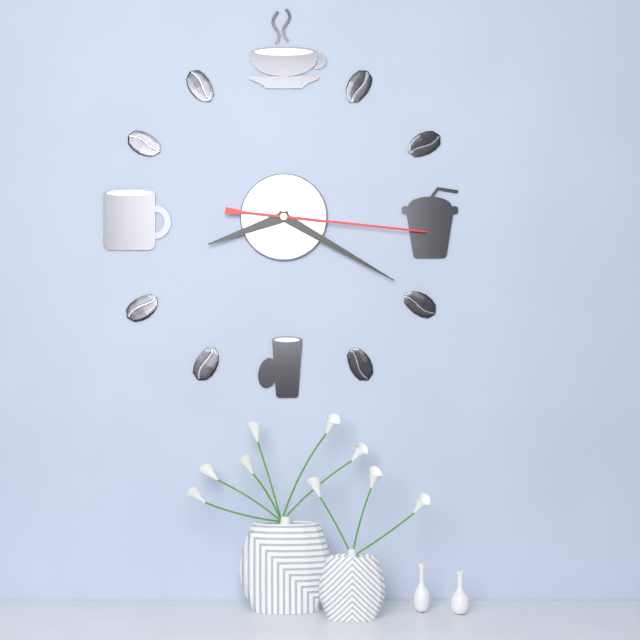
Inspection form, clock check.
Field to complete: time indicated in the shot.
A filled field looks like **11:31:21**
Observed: **8:20:16**
